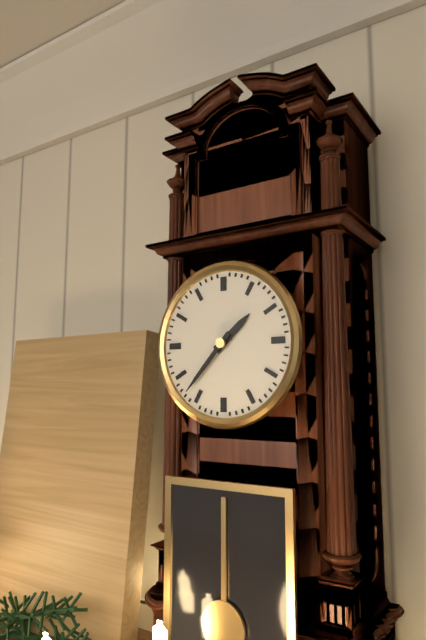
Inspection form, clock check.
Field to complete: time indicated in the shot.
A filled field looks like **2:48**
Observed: **1:37**
